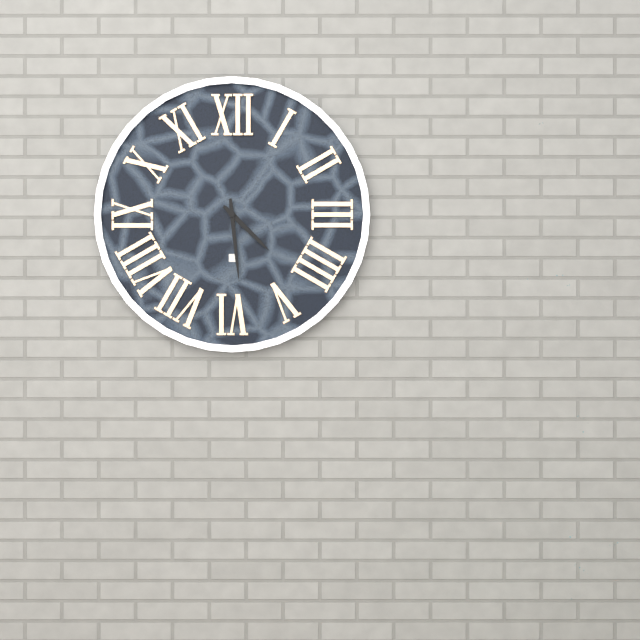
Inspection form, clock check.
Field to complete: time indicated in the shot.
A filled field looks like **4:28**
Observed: **4:29**
